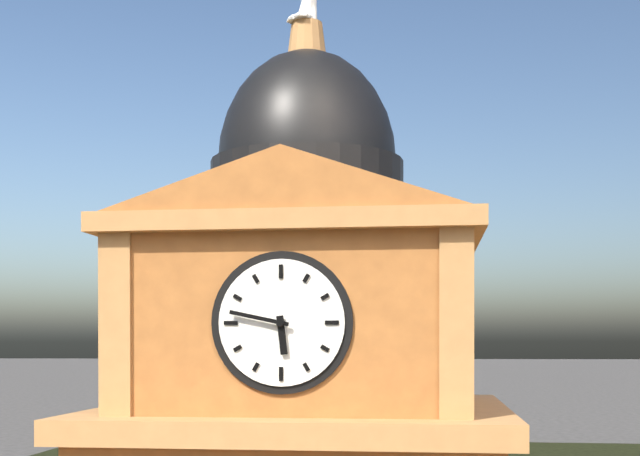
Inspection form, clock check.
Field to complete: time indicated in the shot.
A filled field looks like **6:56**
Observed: **5:47**
